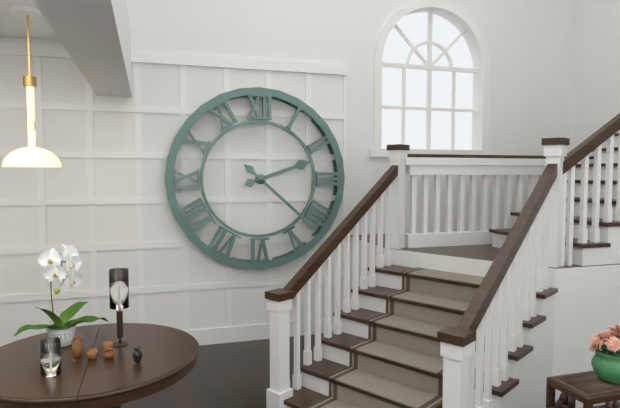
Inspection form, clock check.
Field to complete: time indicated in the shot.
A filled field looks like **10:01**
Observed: **2:22**
